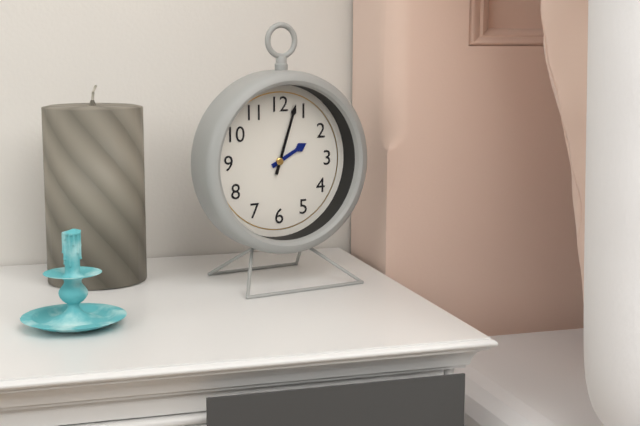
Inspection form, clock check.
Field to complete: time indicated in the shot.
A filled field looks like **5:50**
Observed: **2:03**
